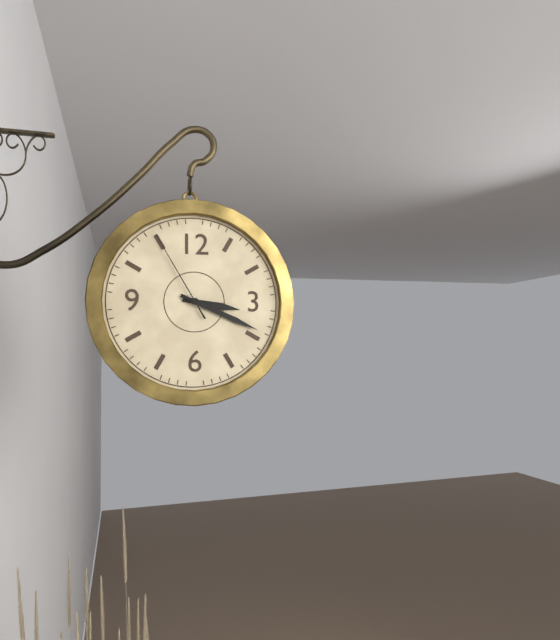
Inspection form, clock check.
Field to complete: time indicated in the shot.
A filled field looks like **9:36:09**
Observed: **3:19:55**
